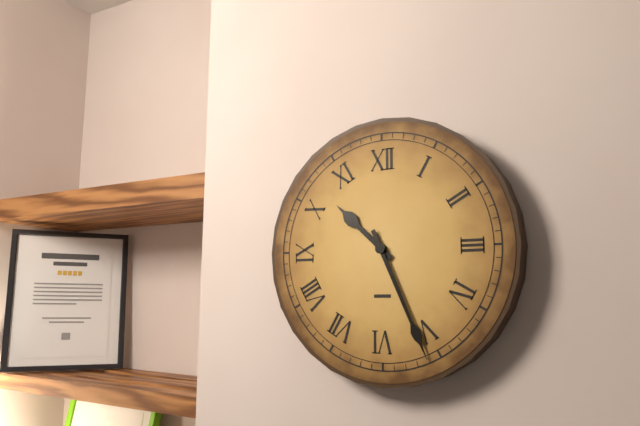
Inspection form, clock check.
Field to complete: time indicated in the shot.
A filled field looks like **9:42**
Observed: **10:26**
